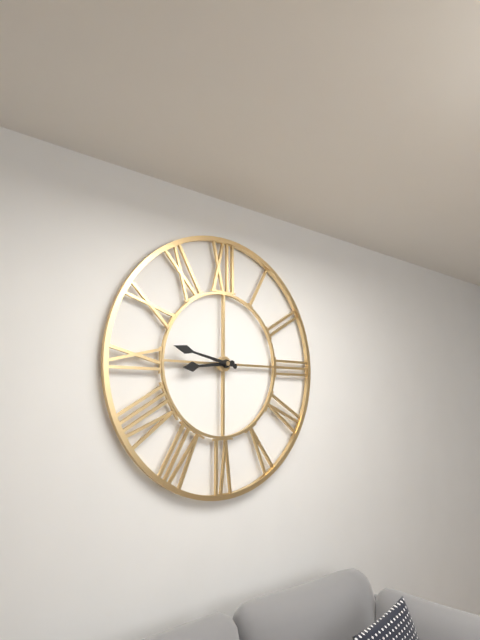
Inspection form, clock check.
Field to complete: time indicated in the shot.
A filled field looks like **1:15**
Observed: **8:47**
